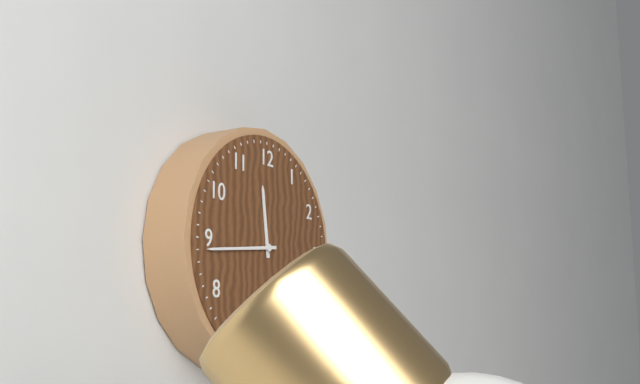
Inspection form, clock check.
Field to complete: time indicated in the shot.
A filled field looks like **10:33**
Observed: **11:44**
